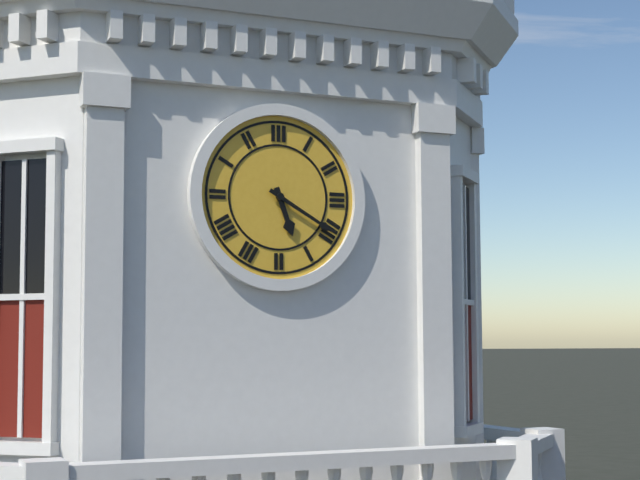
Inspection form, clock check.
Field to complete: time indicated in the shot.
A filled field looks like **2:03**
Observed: **5:20**
